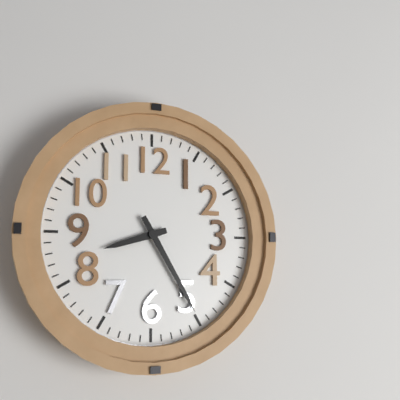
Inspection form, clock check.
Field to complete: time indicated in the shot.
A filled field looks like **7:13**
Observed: **8:25**
